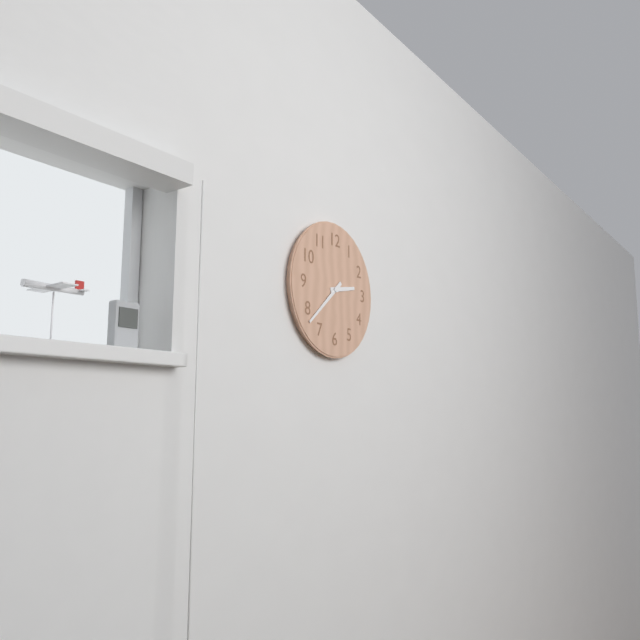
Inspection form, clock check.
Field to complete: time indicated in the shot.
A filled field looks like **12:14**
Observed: **2:38**
